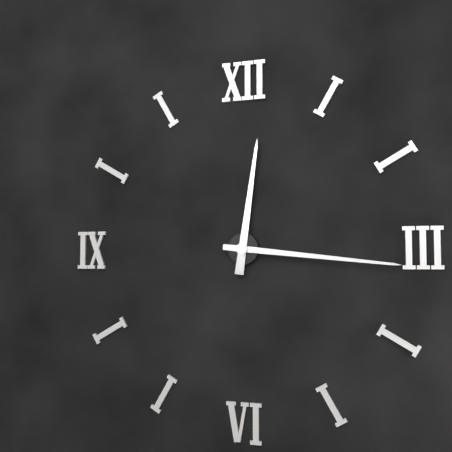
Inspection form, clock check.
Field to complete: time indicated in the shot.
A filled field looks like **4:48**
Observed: **12:16**
